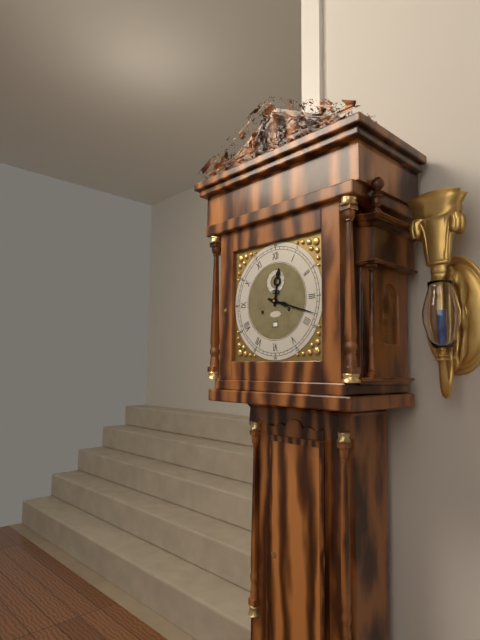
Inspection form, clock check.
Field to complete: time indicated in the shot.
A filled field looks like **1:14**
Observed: **12:18**
